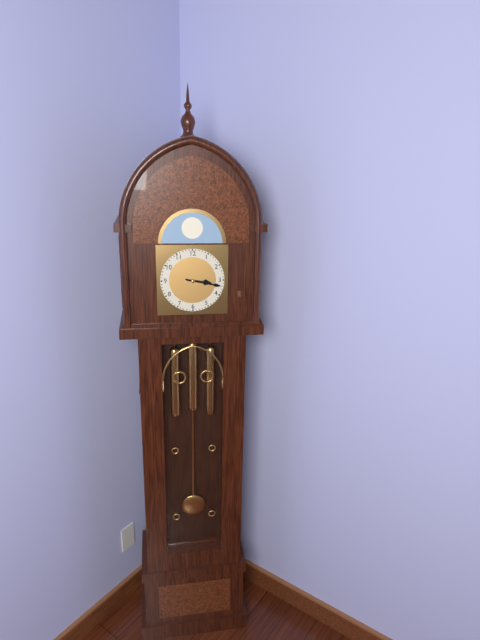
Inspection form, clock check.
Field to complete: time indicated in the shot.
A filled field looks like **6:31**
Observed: **3:17**
